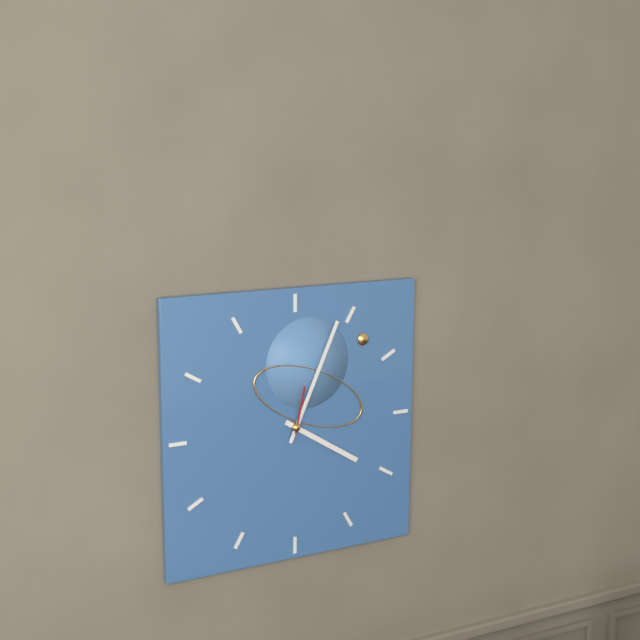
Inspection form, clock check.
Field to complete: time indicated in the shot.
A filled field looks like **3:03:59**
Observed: **4:04:02**
